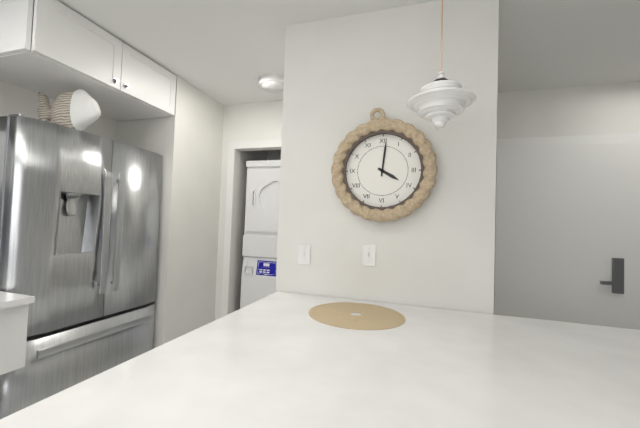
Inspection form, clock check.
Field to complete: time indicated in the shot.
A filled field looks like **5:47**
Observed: **4:01**
